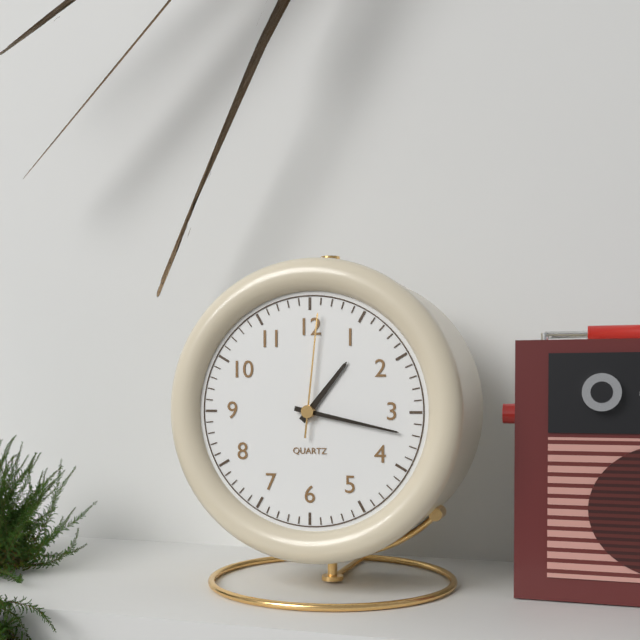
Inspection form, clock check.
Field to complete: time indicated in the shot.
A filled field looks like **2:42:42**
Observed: **1:17:01**
